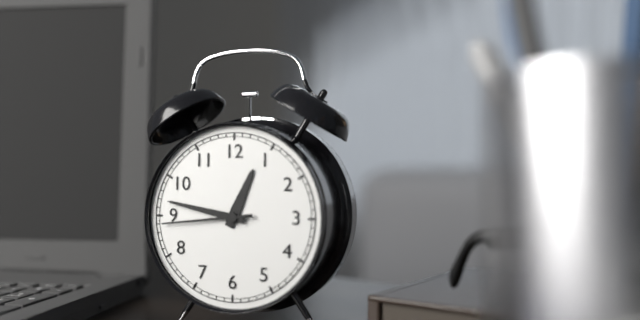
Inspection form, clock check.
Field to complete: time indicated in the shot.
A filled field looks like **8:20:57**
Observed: **12:47:44**
